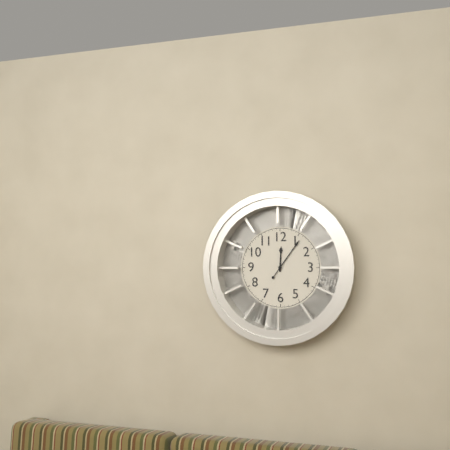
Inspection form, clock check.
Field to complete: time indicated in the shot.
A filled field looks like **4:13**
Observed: **12:06**
